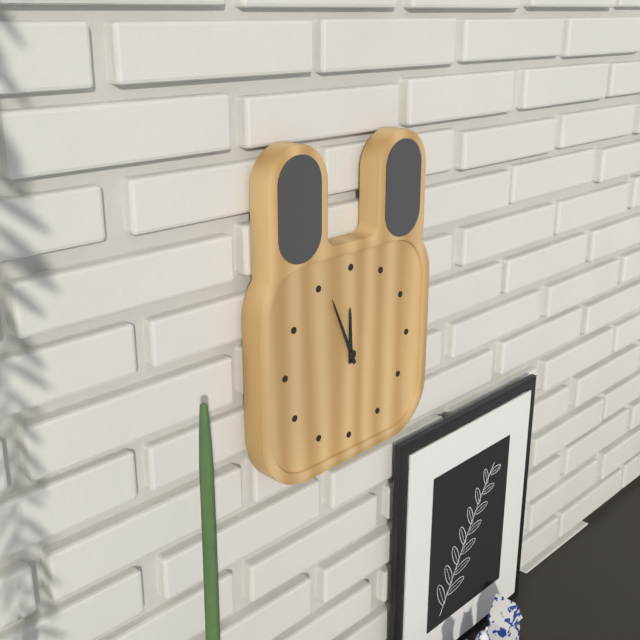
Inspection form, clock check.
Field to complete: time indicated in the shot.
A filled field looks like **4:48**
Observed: **11:56**
